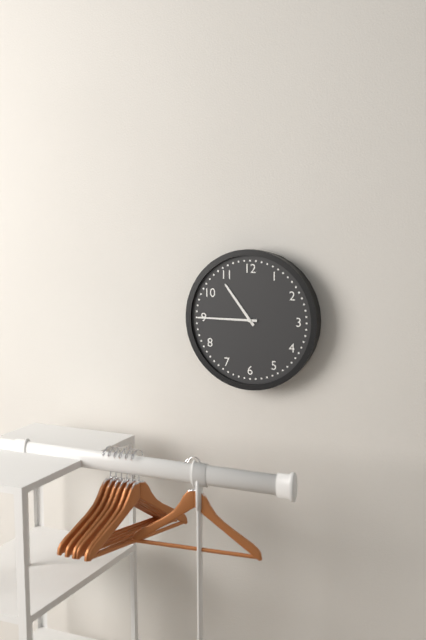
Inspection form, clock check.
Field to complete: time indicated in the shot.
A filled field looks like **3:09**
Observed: **10:45**
